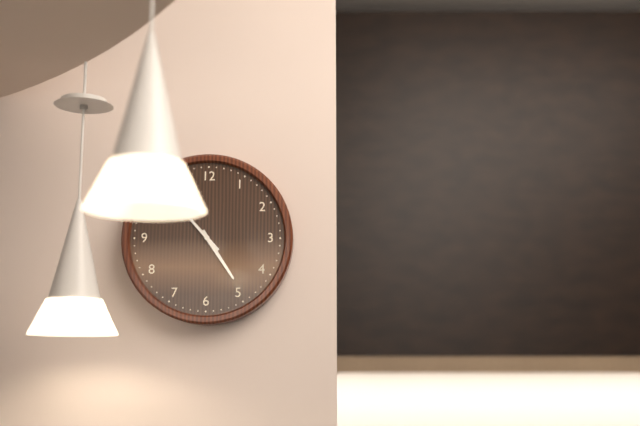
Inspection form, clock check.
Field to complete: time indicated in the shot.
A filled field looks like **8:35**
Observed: **4:53**
